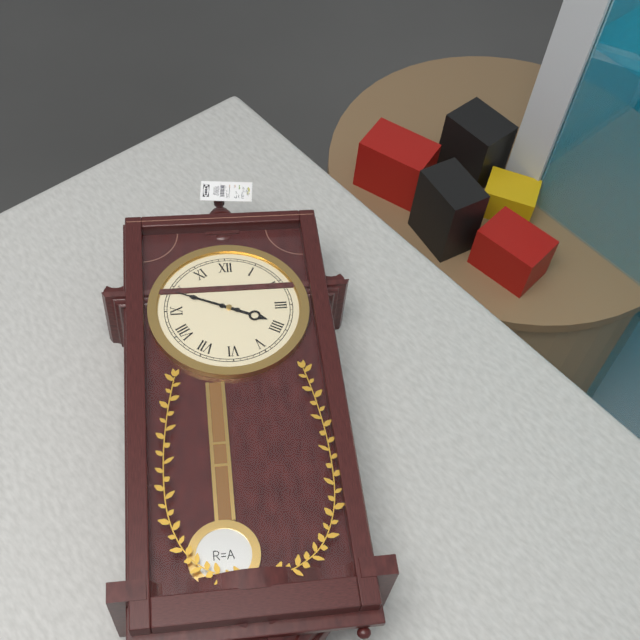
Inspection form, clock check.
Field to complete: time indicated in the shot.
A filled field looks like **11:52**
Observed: **3:49**
